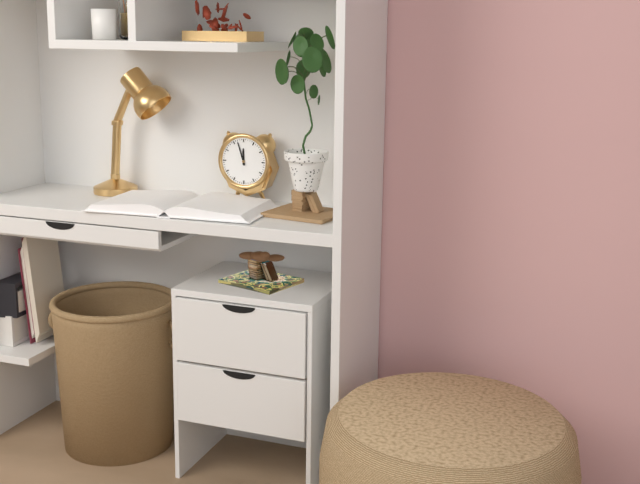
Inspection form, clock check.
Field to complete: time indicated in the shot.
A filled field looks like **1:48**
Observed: **11:57**
